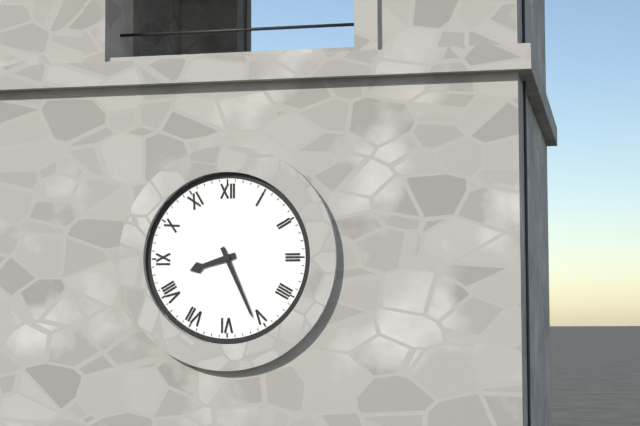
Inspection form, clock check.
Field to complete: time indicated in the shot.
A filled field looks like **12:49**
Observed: **8:26**
